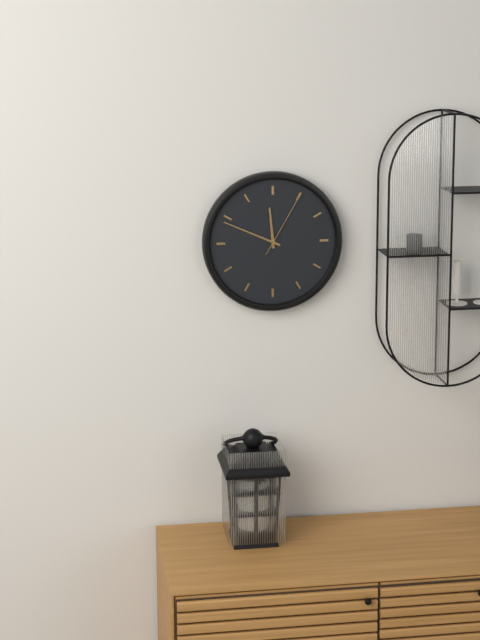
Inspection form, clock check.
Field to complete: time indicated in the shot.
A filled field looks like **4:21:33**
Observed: **11:49:05**
